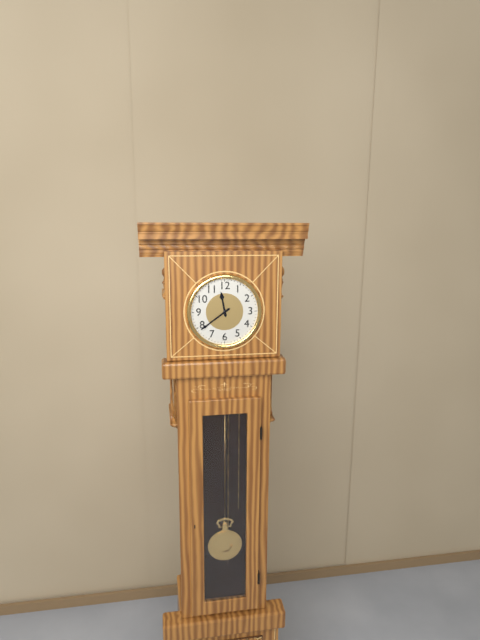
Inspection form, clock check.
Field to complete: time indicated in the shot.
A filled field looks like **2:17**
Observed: **11:39**
